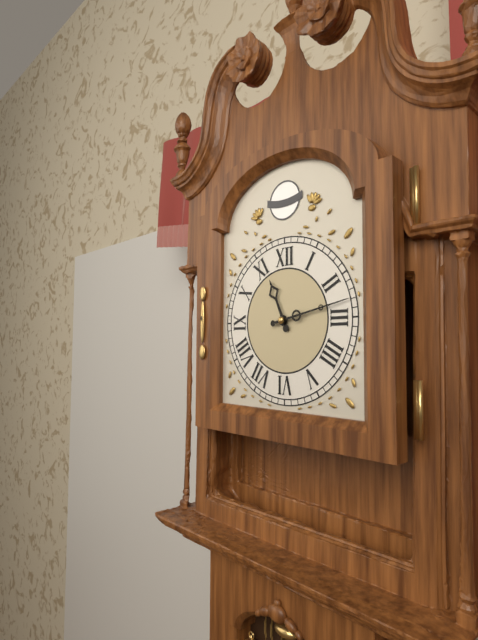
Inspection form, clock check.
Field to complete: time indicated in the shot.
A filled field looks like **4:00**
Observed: **11:13**
